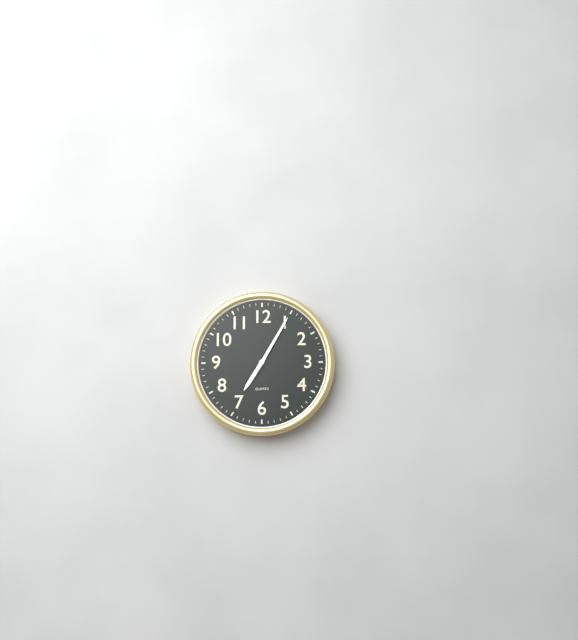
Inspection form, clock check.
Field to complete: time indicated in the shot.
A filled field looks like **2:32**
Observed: **7:05**
